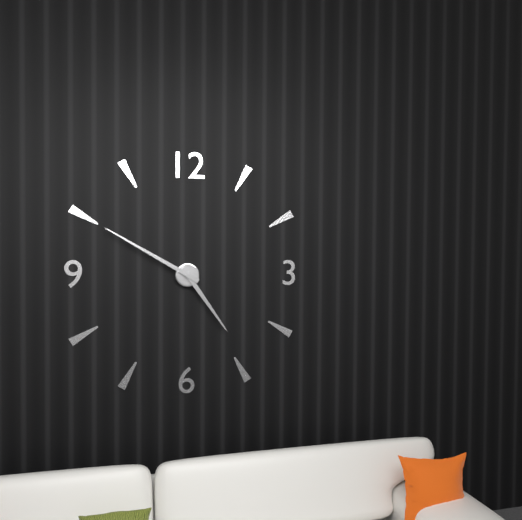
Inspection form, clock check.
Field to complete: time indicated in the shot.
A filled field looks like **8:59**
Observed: **4:50**
